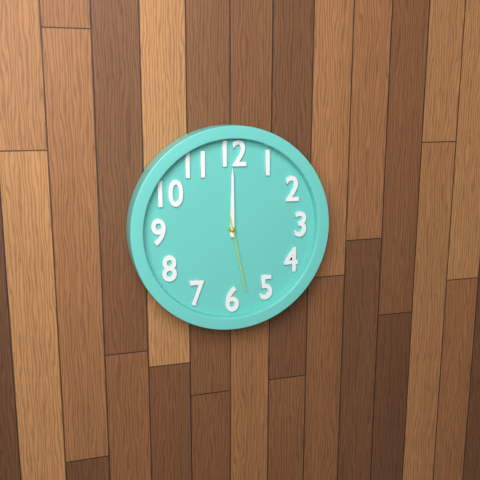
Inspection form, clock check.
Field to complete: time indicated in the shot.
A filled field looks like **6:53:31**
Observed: **12:00:28**
